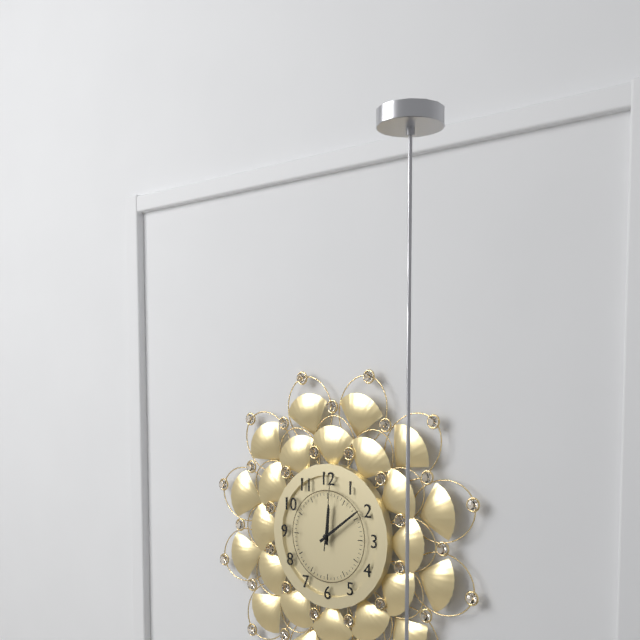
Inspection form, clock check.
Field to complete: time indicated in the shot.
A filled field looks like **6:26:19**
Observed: **12:09:01**
